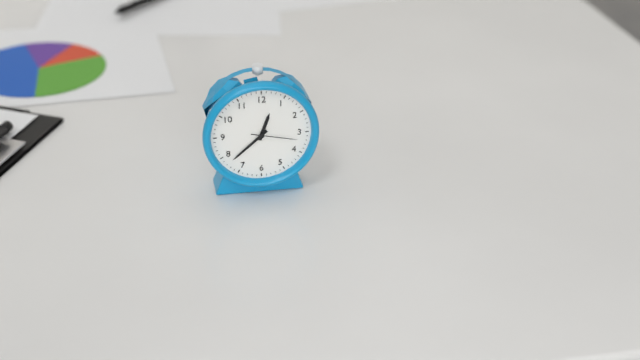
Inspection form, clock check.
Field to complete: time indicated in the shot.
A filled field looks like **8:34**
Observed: **12:38**
